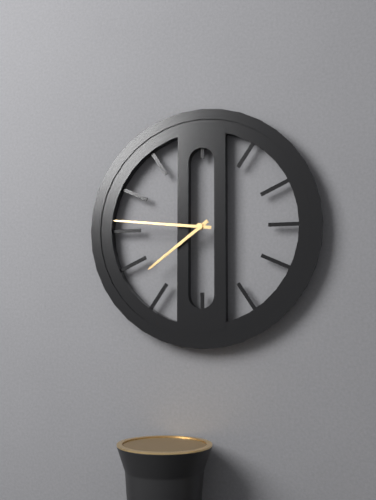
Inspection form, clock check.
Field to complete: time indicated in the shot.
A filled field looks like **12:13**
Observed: **7:46**
